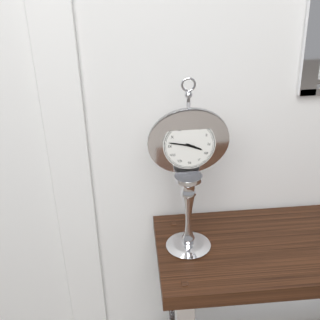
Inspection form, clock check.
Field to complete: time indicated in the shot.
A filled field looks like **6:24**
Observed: **3:47**
